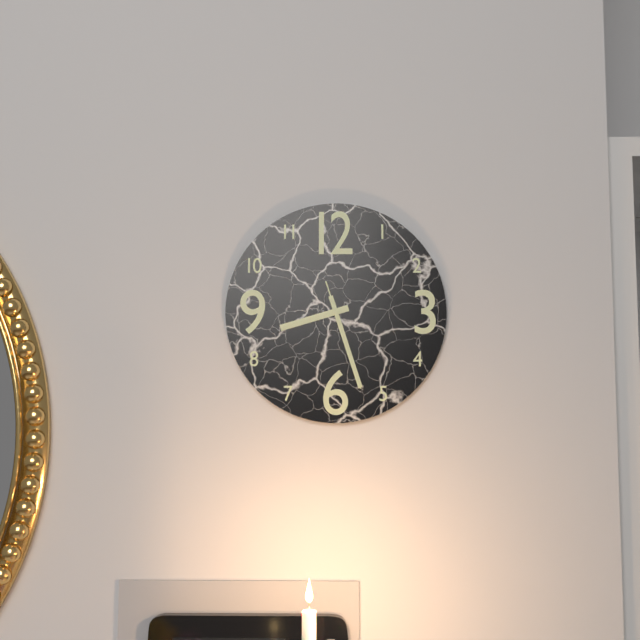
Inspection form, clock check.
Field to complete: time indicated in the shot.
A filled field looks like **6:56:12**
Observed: **8:27:27**
